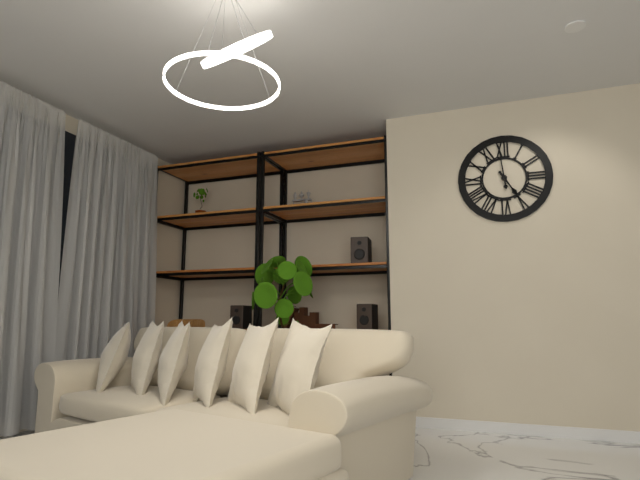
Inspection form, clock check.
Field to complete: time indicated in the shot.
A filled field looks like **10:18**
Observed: **4:59**
